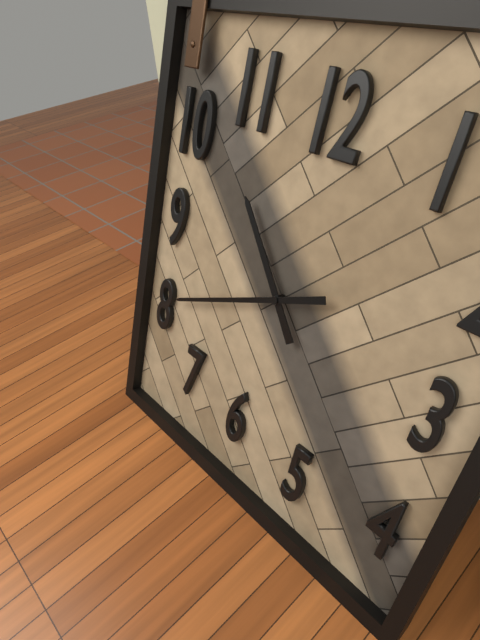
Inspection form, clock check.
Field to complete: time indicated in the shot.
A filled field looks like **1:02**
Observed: **10:41**
